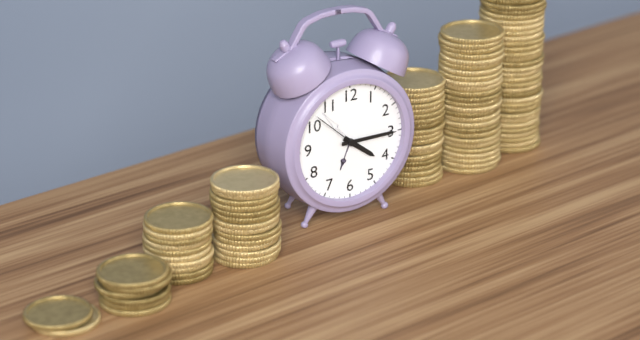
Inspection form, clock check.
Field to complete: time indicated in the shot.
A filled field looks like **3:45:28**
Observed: **4:15:52**
